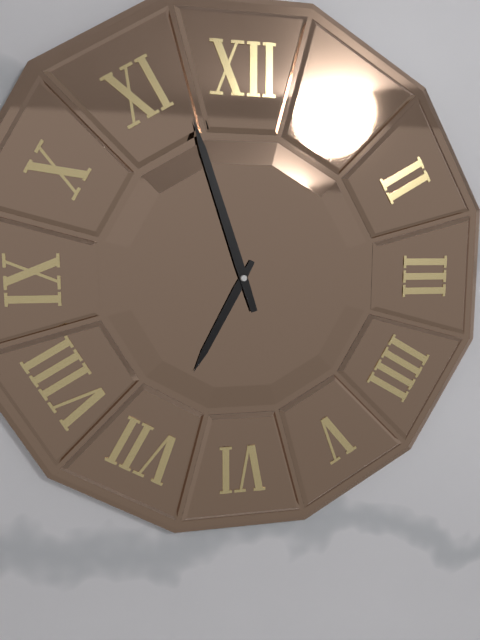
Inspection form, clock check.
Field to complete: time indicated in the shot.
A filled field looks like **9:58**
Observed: **6:57**
